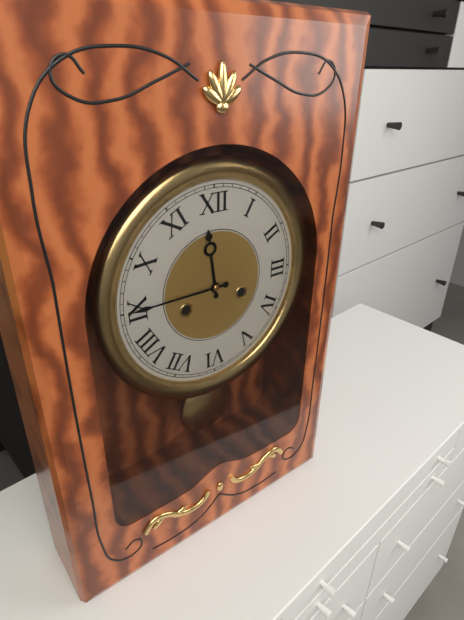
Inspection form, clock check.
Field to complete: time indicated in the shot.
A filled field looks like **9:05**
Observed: **11:45**
